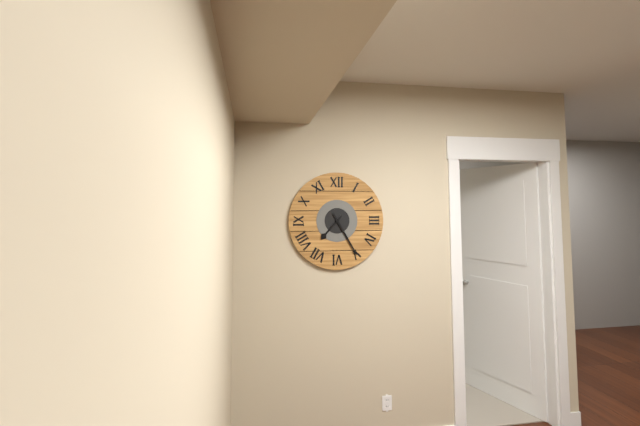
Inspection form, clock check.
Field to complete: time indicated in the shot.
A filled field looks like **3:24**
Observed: **7:25**
